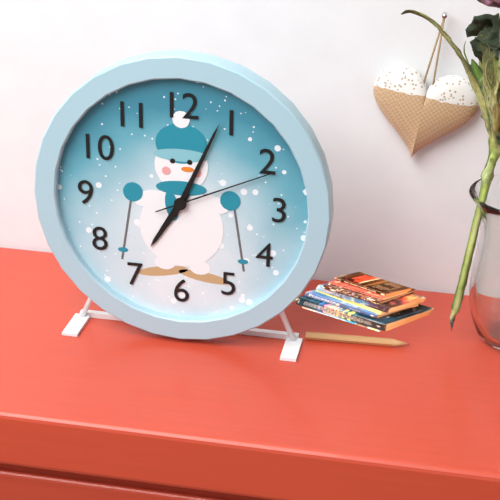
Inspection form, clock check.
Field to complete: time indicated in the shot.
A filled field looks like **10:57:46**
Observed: **7:04:11**
